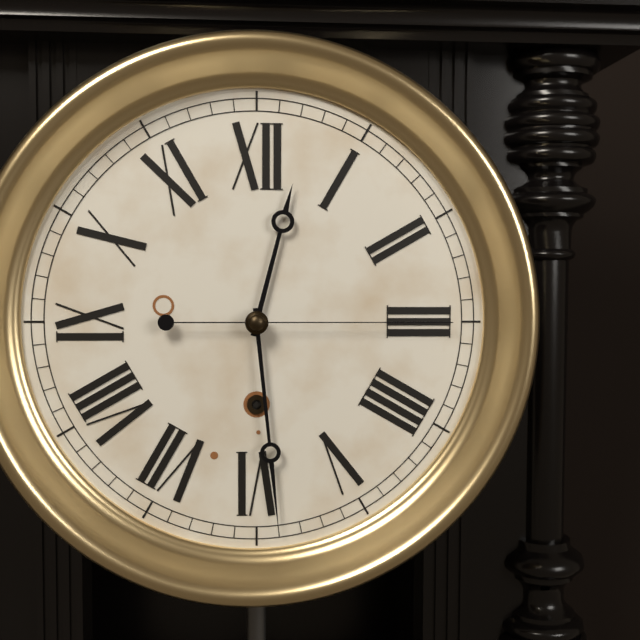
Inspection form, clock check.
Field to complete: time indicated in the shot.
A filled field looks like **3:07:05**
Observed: **12:29:15**
